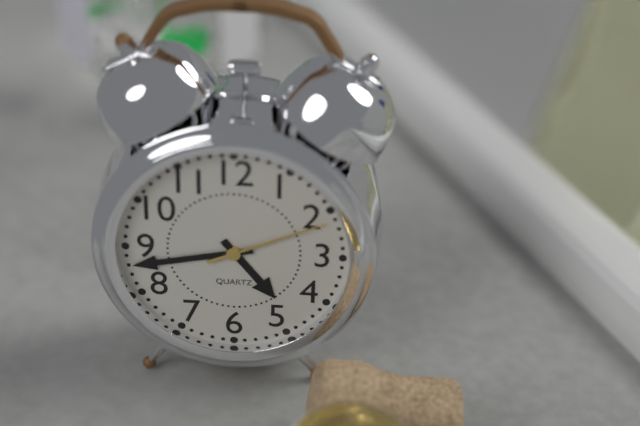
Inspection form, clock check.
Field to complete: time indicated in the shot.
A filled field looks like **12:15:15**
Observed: **4:43:11**
